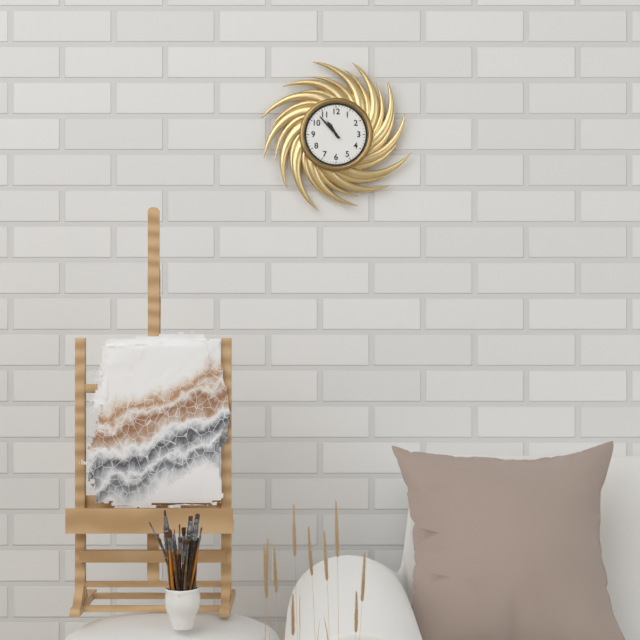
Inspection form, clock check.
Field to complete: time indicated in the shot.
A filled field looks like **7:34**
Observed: **10:53**
